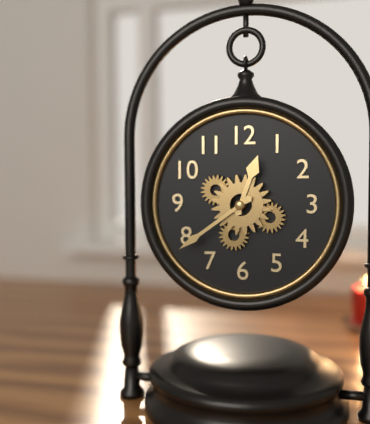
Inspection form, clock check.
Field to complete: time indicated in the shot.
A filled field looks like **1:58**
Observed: **12:39**
